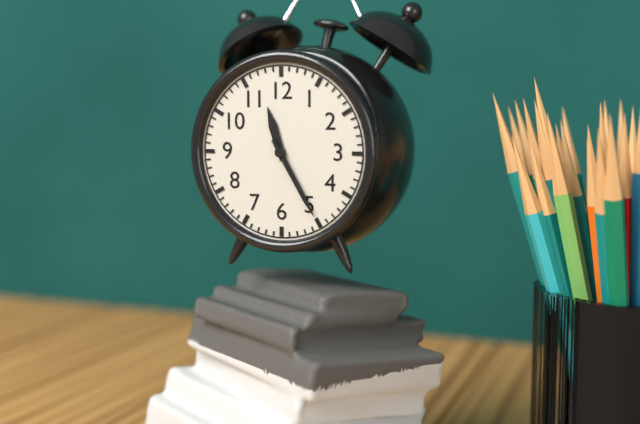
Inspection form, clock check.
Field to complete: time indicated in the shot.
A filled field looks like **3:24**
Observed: **11:25**
